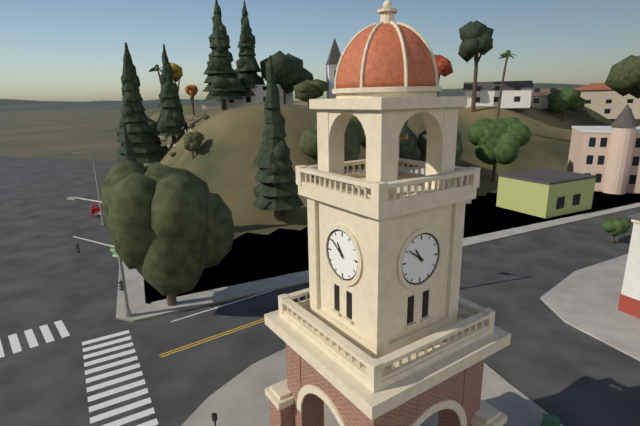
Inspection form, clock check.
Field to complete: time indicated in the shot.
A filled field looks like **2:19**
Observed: **10:51**
